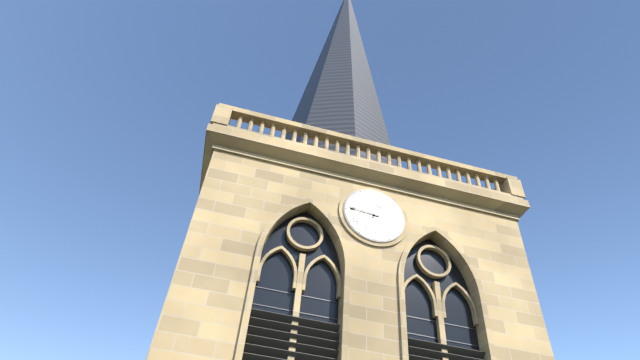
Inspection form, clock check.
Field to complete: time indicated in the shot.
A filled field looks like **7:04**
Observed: **12:46**
